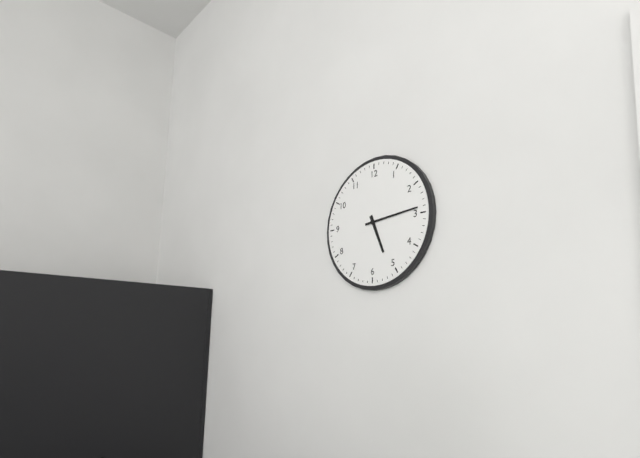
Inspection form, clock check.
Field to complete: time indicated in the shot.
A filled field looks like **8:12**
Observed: **5:14**
